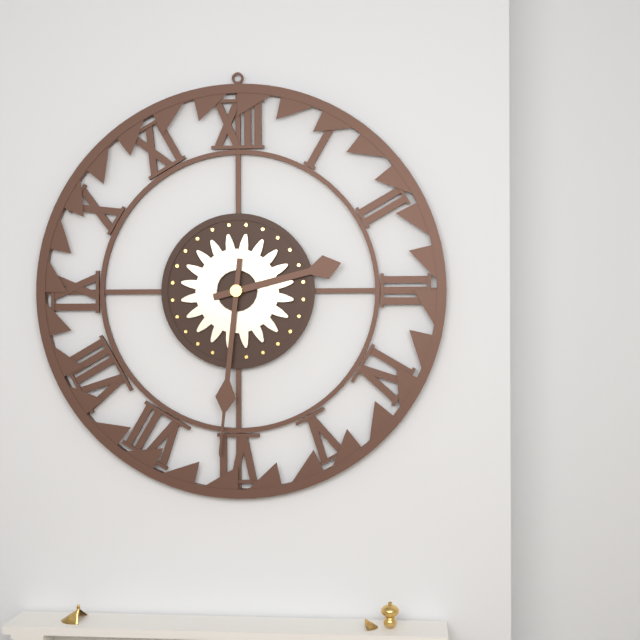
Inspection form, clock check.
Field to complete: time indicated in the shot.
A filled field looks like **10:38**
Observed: **2:31**
